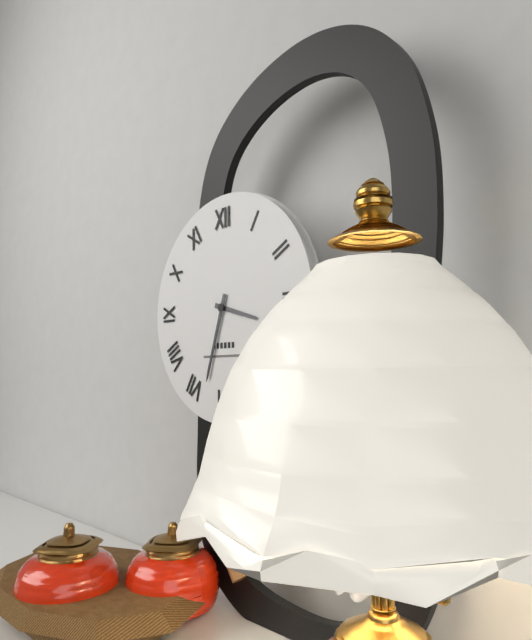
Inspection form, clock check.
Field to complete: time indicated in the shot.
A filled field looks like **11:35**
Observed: **3:33**
